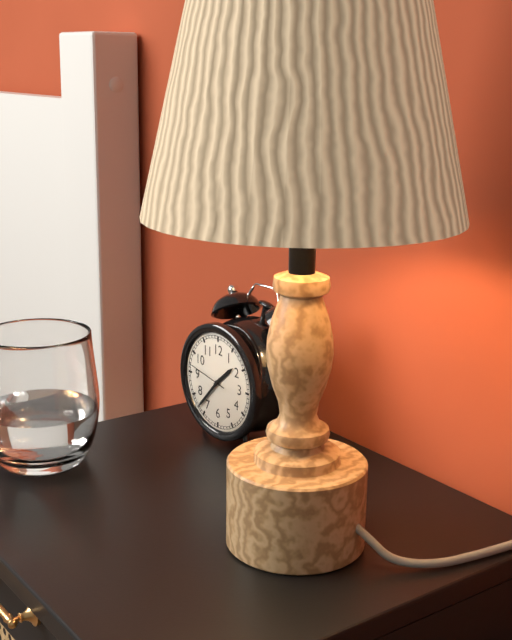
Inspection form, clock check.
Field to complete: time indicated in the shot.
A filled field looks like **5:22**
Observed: **1:37**
